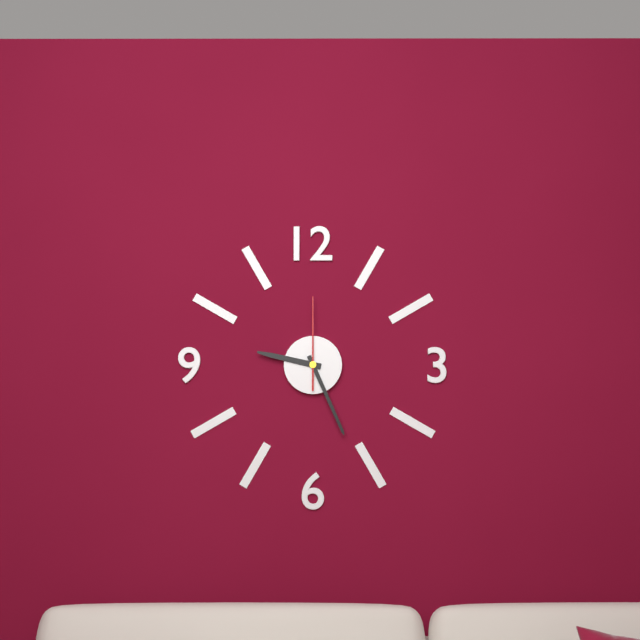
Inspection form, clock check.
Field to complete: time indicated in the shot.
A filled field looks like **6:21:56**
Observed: **9:26:00**
